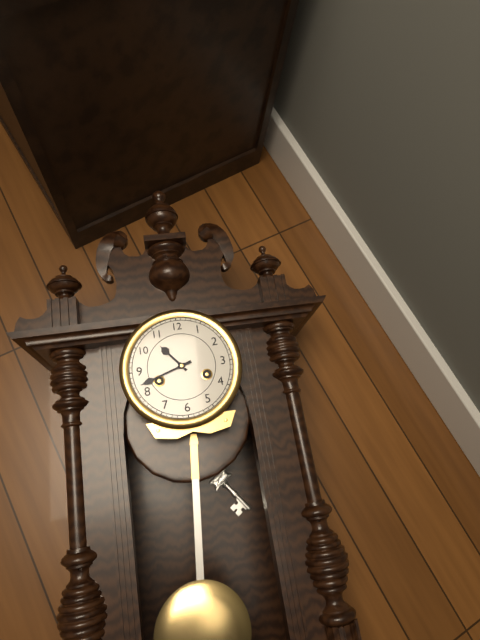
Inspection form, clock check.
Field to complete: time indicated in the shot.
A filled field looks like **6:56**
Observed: **10:42**
